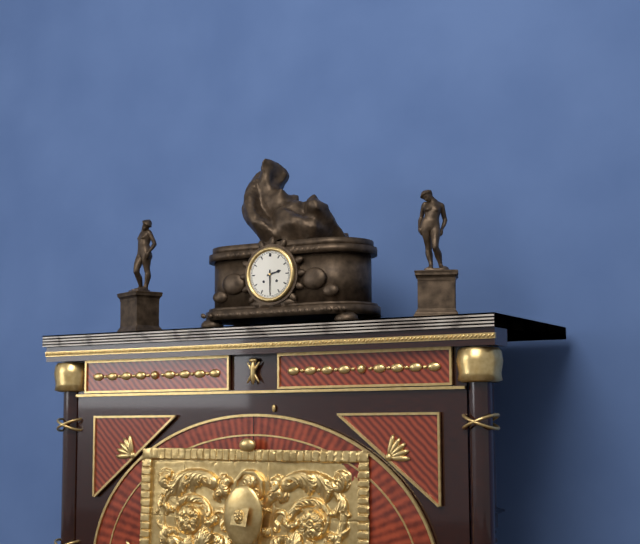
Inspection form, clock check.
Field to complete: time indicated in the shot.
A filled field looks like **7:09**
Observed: **2:30**
